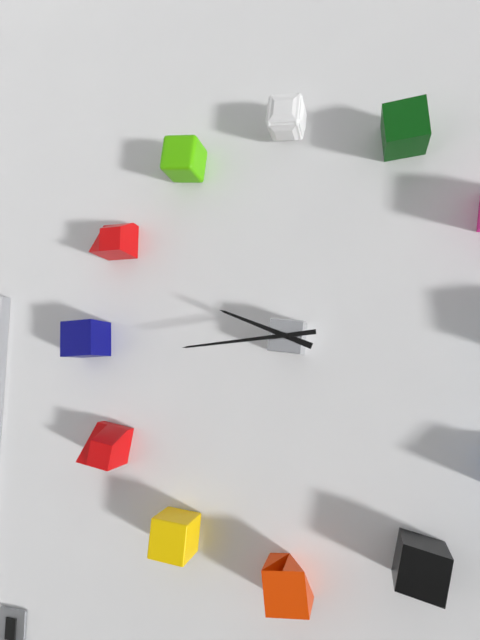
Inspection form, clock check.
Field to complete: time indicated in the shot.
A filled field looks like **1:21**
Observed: **9:44**
